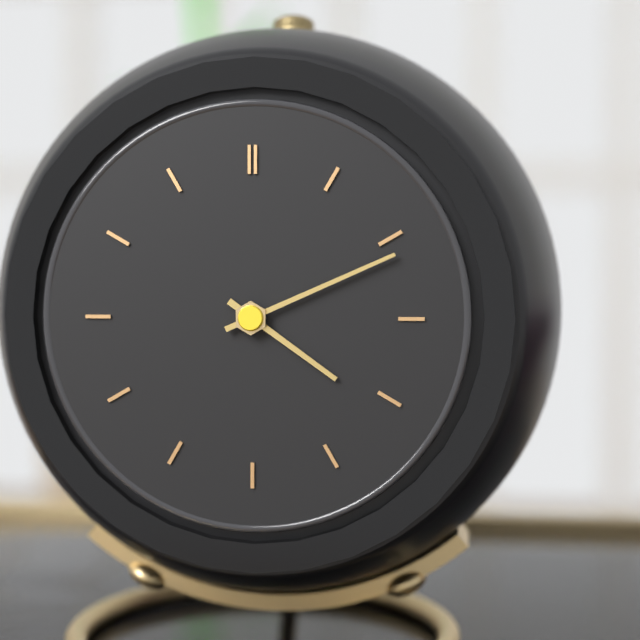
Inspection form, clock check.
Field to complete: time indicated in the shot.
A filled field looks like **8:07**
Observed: **4:11**
